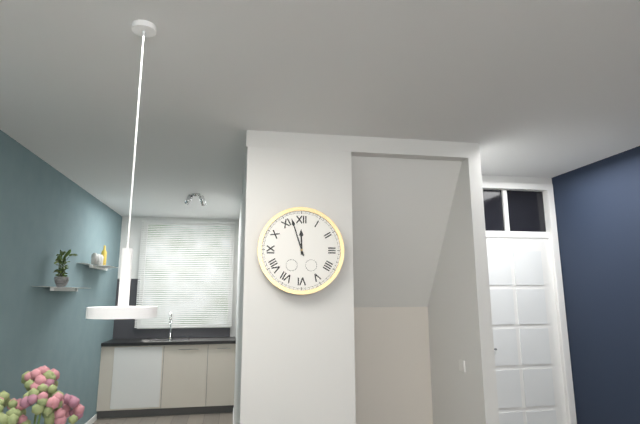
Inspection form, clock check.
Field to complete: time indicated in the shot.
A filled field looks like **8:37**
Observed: **11:57**
